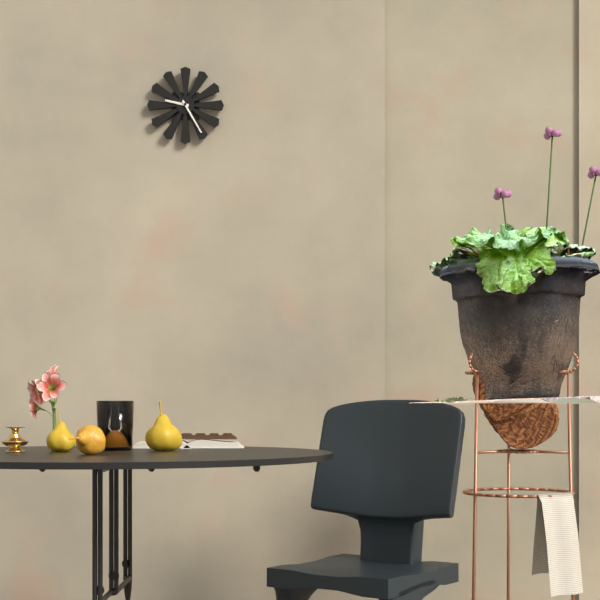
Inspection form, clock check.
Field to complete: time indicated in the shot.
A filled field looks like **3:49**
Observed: **9:25**
